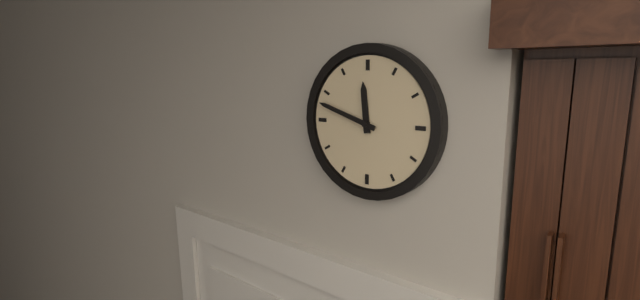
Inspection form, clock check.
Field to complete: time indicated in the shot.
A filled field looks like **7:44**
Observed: **11:48**
